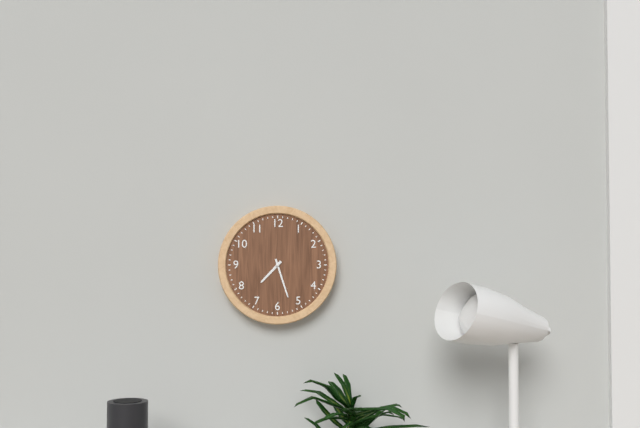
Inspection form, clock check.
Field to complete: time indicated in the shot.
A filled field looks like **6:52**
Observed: **7:27**
